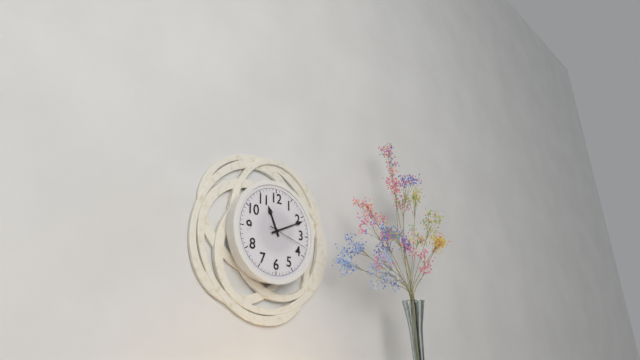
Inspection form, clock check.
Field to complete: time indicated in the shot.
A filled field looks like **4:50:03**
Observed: **11:11:18**
